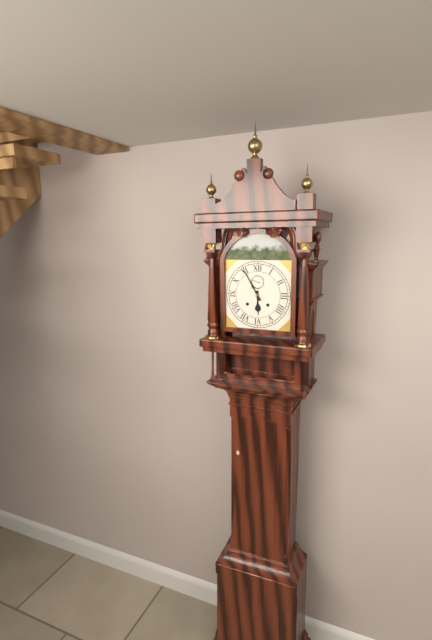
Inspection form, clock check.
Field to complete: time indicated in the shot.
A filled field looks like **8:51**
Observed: **5:55**
